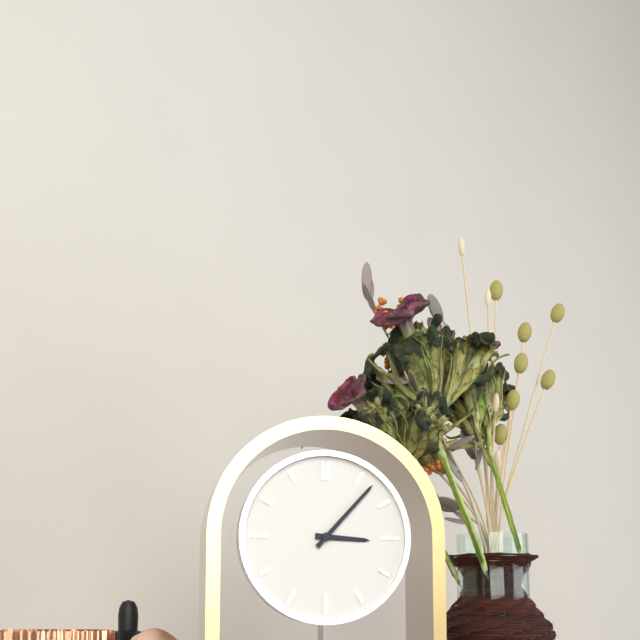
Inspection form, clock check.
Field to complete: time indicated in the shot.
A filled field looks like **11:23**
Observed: **3:07**
